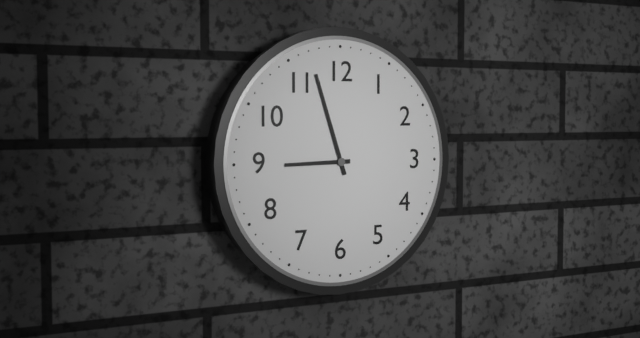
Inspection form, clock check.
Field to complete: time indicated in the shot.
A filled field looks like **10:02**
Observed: **8:57**
